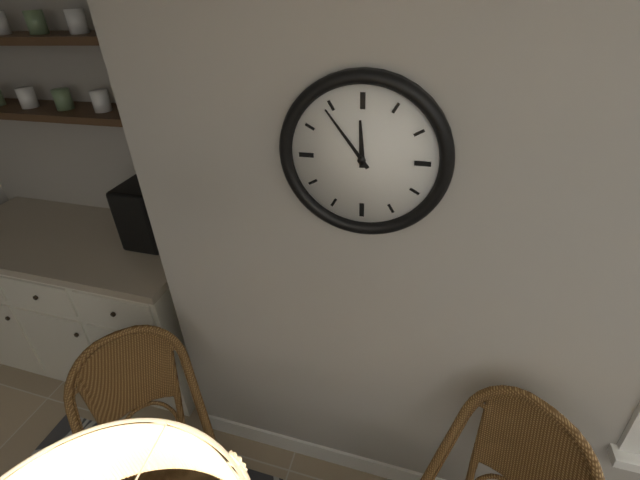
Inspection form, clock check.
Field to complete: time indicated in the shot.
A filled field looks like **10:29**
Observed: **11:54**
